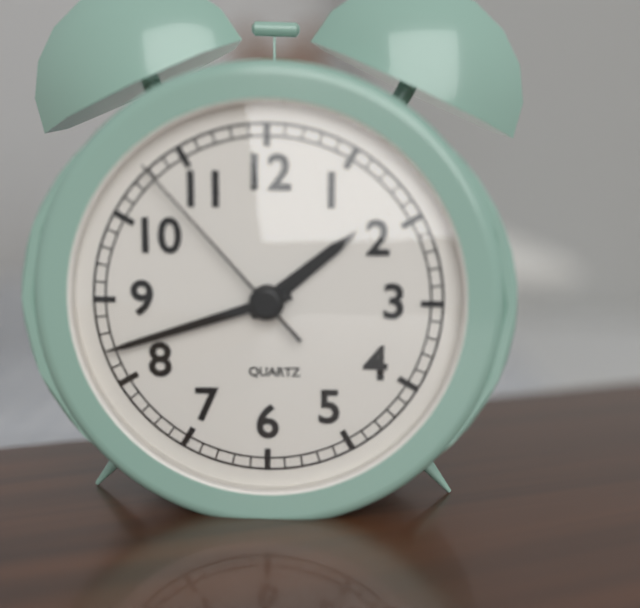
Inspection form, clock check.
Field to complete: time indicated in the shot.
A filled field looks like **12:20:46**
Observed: **1:42:53**
